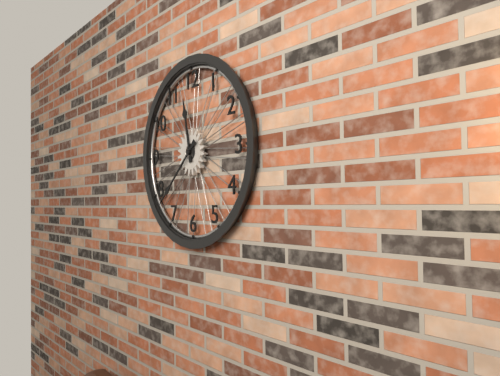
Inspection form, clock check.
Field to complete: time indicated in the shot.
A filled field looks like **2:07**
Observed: **11:38**
